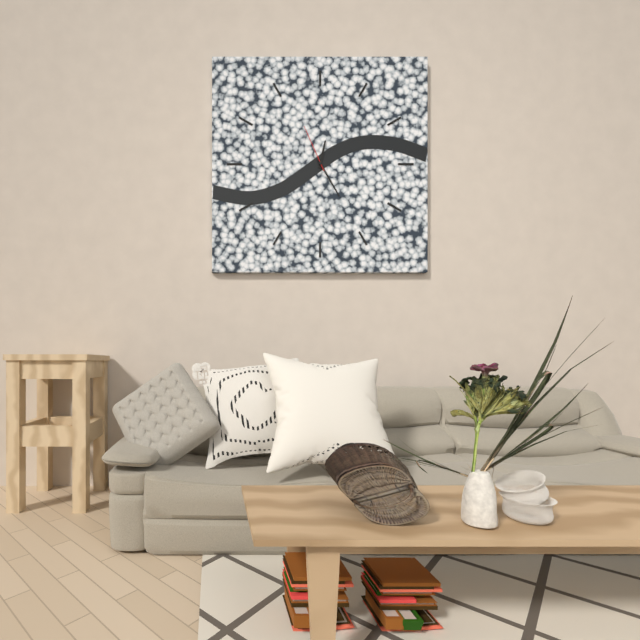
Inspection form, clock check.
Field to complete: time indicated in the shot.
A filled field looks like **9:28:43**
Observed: **12:25:56**
